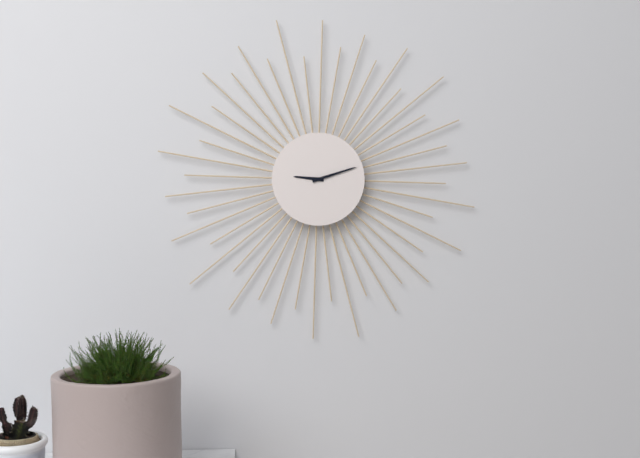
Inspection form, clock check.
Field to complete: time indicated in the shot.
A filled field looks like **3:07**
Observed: **9:12**
